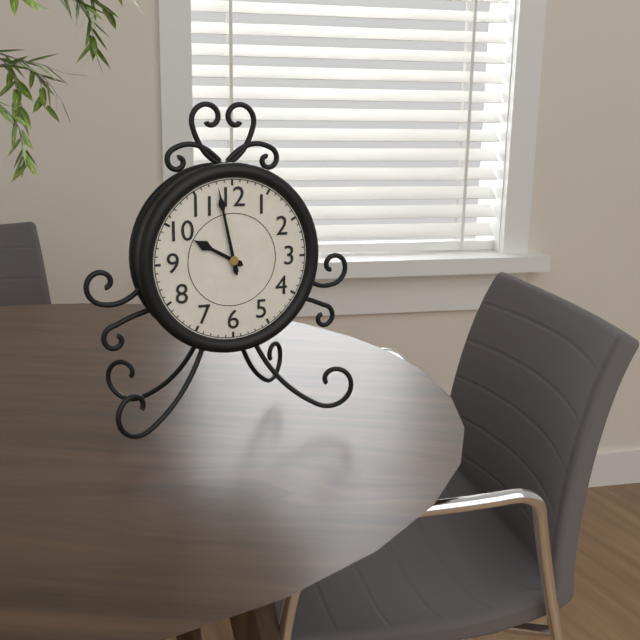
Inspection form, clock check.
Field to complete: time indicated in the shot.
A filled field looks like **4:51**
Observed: **9:58**
